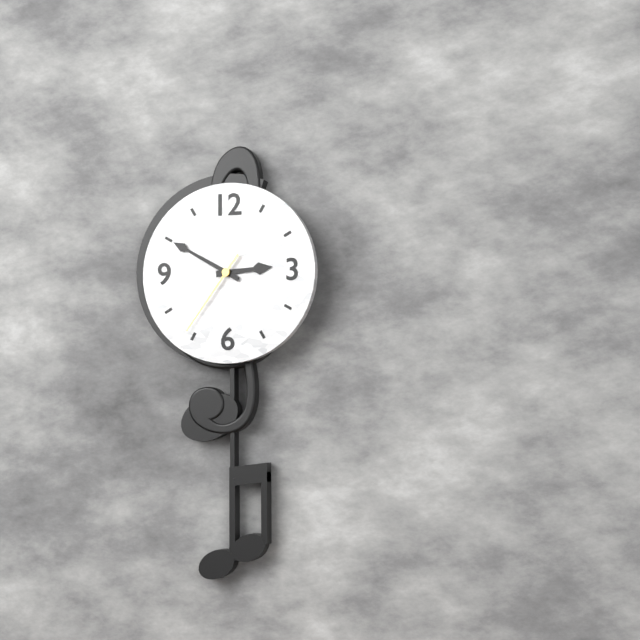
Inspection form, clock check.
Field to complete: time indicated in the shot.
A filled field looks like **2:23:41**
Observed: **2:50:36**
